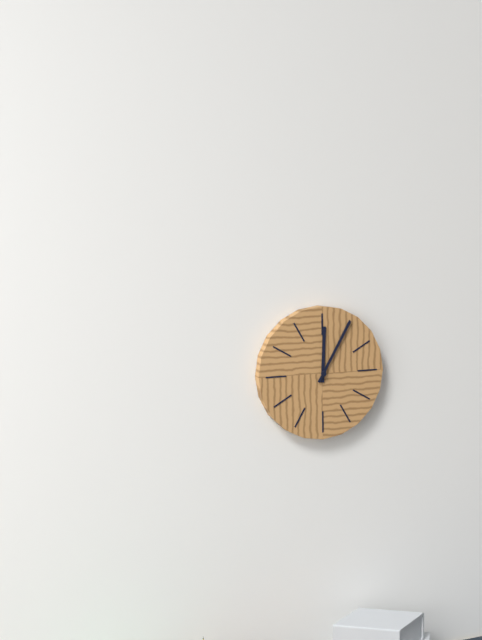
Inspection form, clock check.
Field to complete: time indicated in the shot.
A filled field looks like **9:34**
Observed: **12:05**
